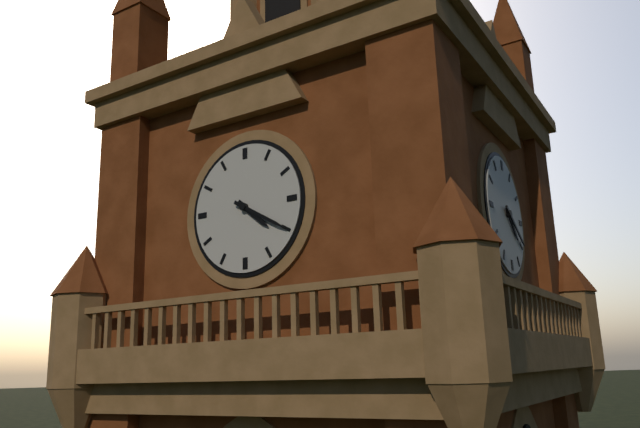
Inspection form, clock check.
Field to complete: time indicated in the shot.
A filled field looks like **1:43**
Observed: **4:20**
